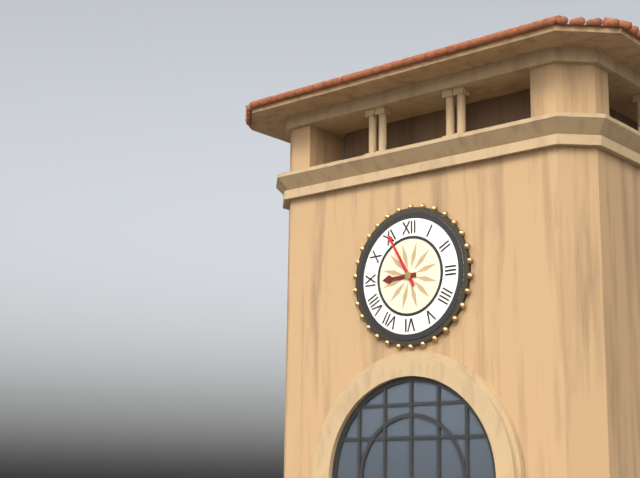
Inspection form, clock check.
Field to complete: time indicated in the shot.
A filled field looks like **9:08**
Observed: **8:55**
